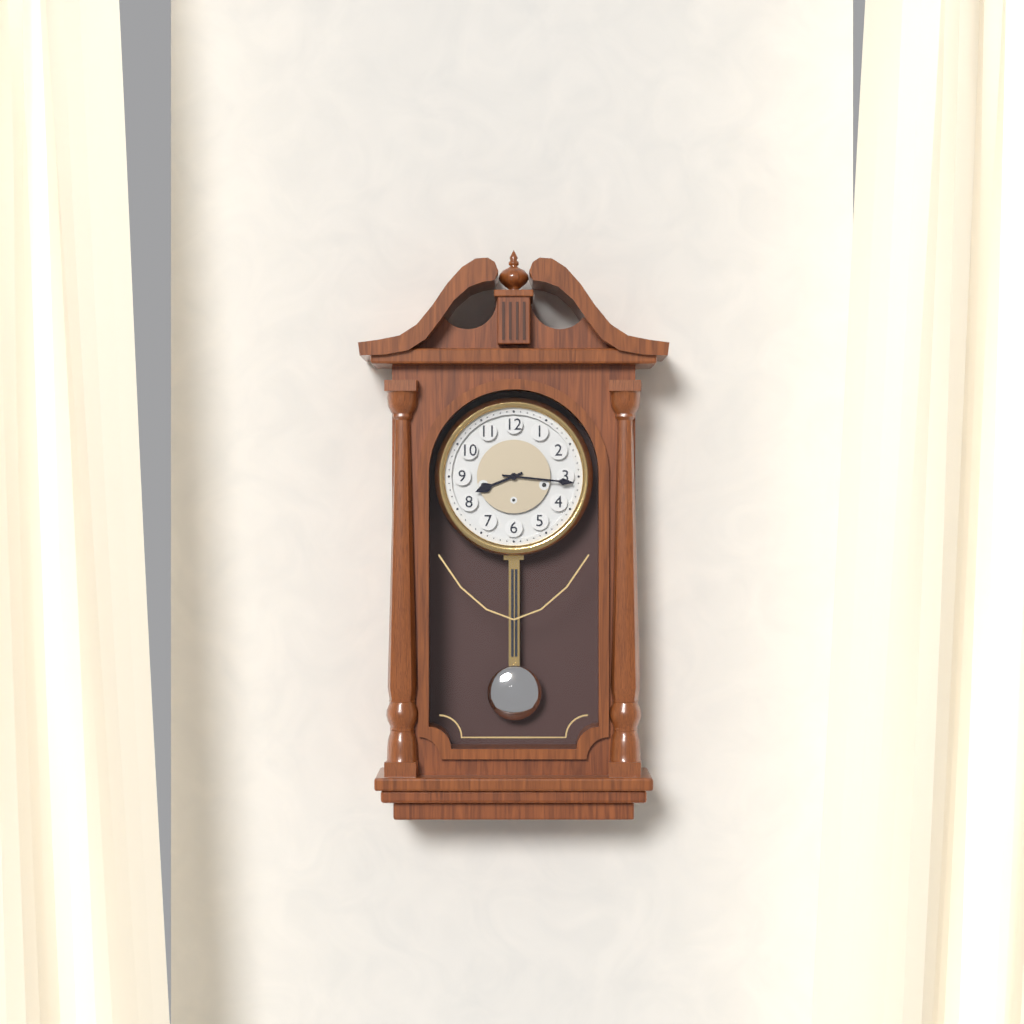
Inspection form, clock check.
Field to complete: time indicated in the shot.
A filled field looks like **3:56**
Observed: **8:16**
